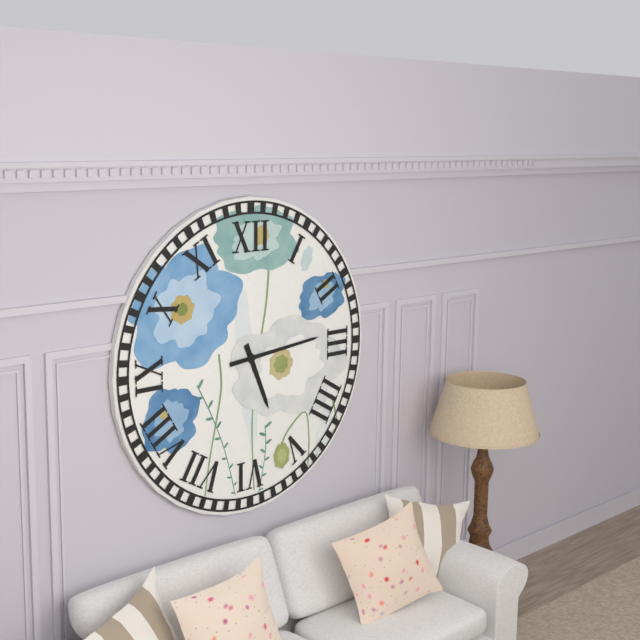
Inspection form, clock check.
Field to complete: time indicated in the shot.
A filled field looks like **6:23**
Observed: **5:14**
